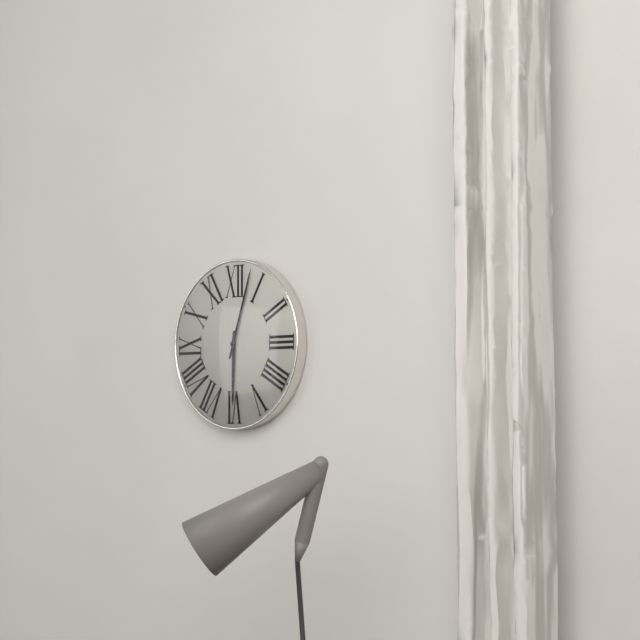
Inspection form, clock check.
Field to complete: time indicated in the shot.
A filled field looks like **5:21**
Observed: **6:03**
